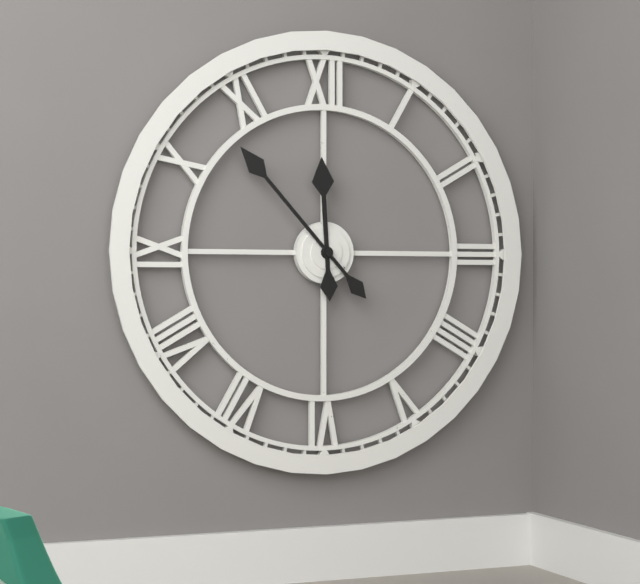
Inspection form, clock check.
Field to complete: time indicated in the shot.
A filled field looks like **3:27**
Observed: **11:53**
